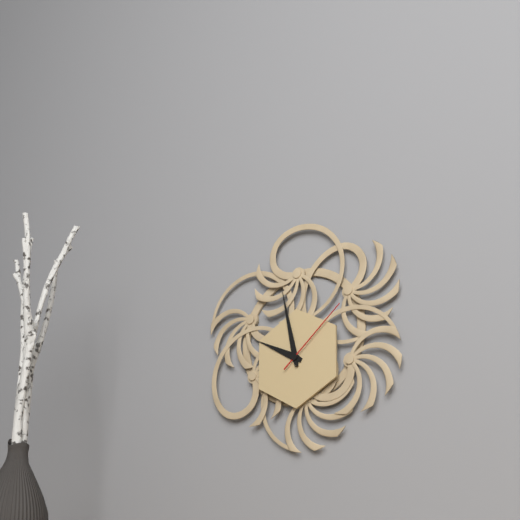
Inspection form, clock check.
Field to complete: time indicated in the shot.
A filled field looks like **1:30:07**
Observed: **9:58:08**
